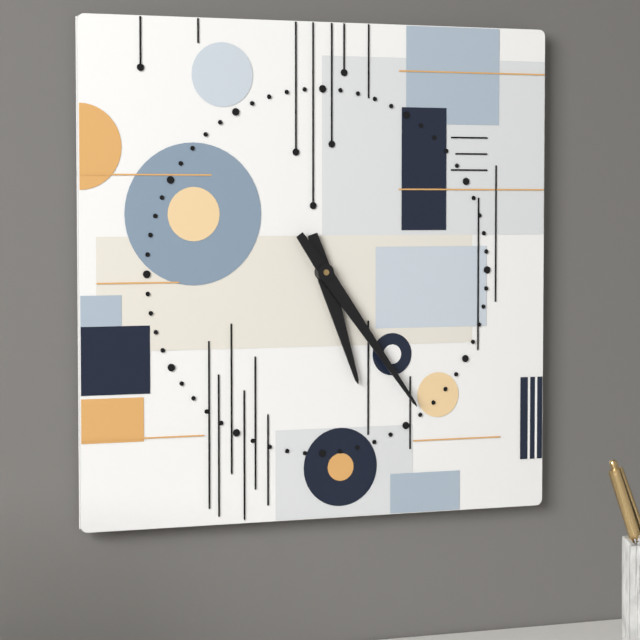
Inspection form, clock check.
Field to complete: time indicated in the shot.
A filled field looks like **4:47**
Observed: **5:24**
